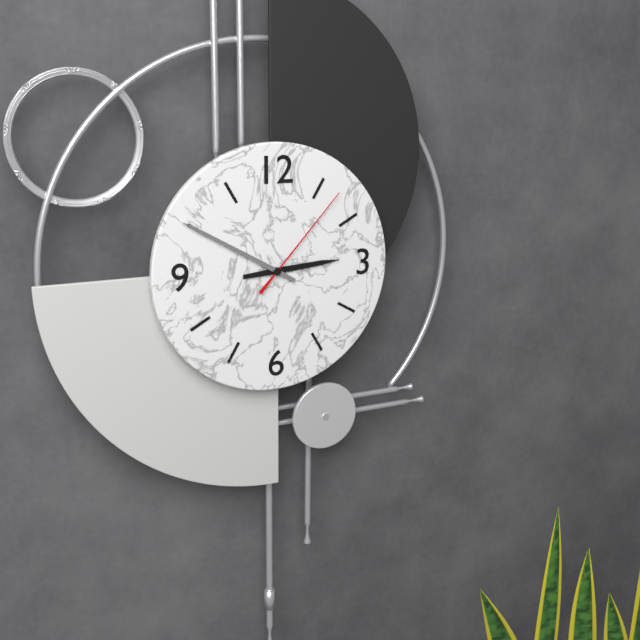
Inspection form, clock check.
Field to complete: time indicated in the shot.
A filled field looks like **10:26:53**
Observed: **2:50:07**
